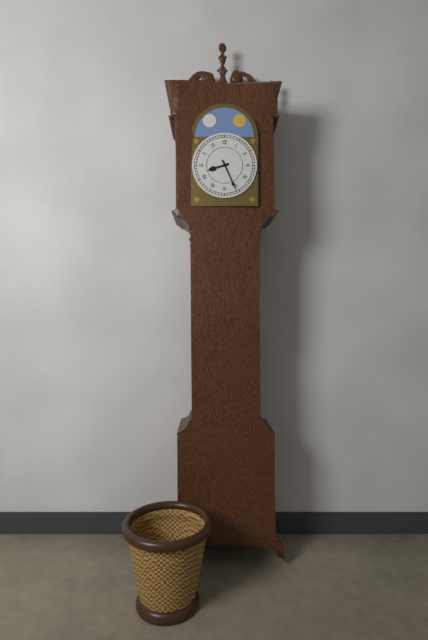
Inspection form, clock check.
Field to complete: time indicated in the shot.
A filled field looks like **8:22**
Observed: **8:26**
